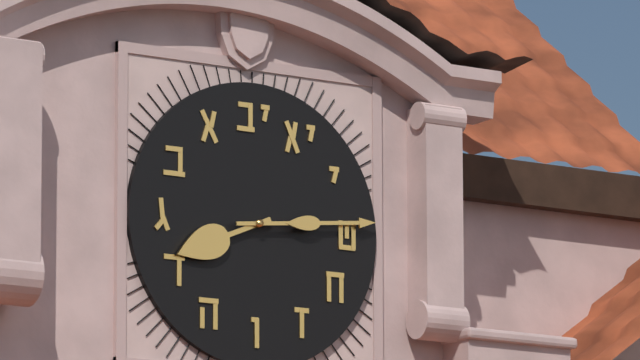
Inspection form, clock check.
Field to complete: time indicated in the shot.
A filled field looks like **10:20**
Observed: **8:14**
